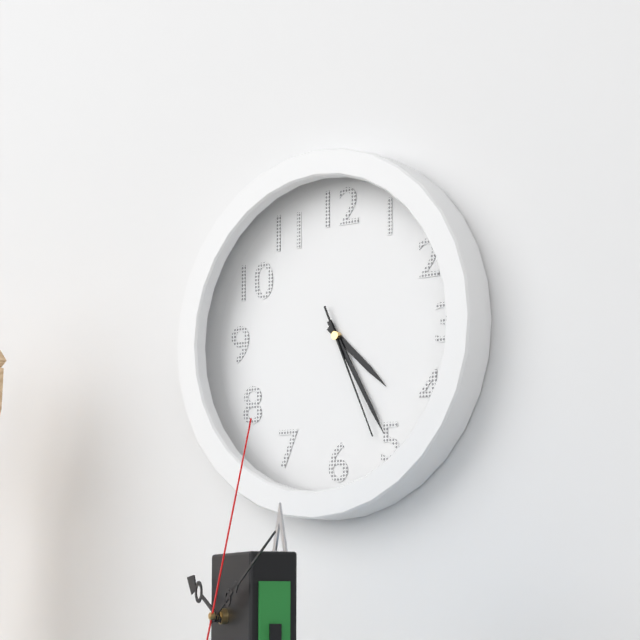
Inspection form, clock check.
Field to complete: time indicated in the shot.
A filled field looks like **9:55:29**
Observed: **4:25:26**
